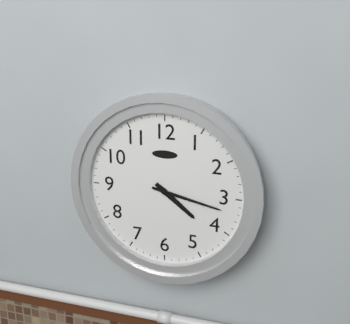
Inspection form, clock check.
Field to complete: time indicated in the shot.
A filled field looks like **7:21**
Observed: **4:17**
